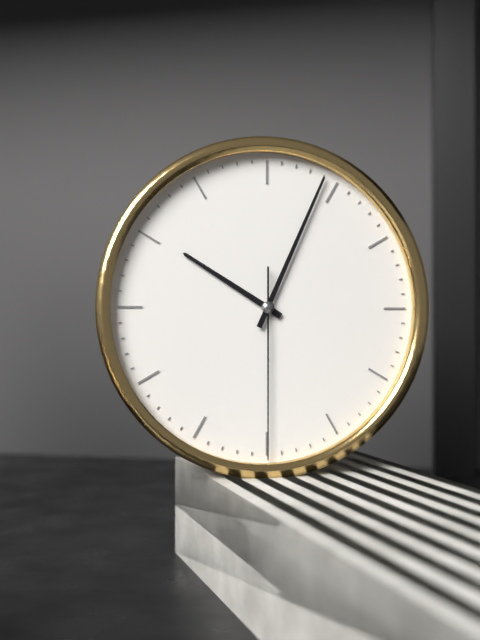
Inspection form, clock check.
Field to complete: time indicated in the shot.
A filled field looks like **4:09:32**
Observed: **10:04:30**
